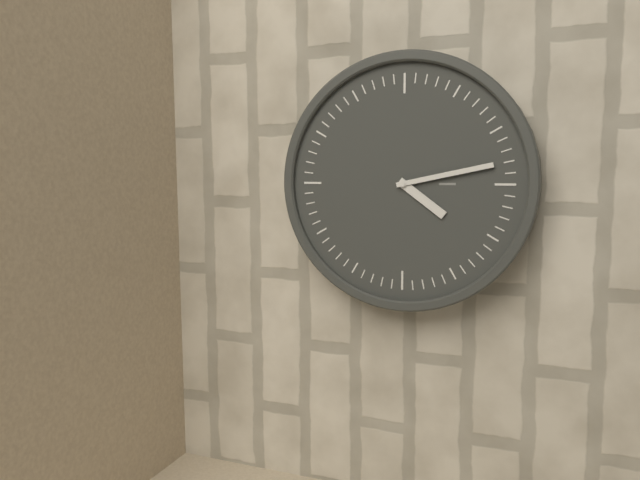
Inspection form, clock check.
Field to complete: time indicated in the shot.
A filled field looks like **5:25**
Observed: **4:13**
